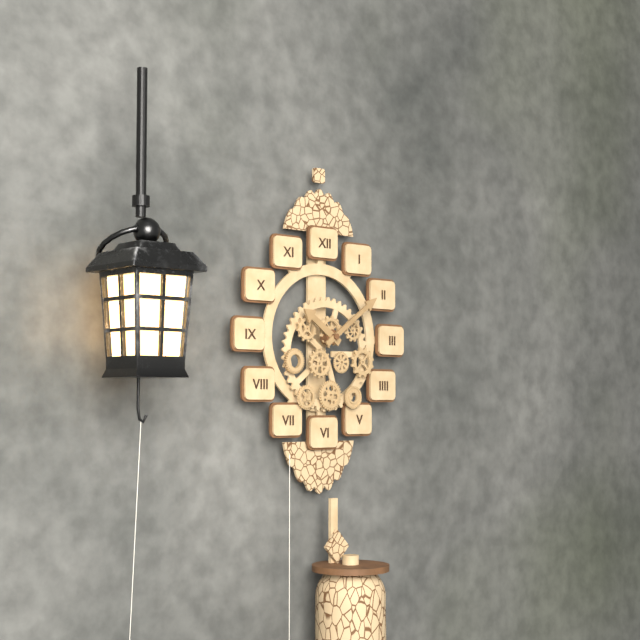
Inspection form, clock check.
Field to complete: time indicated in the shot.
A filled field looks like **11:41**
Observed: **10:09**
